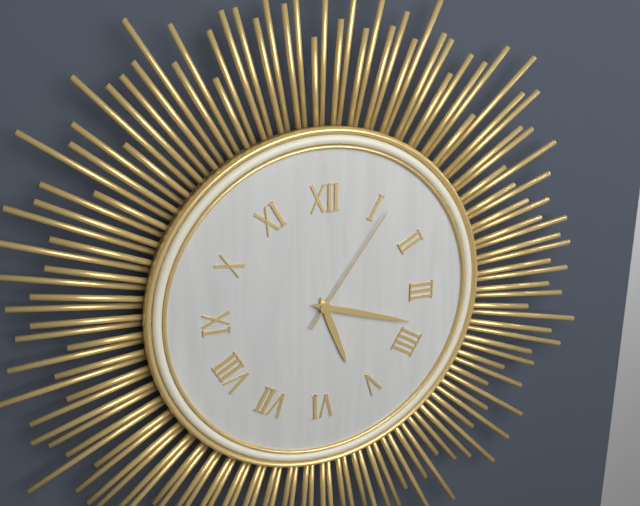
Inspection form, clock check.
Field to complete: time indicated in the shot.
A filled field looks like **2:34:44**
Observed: **5:18:06**
